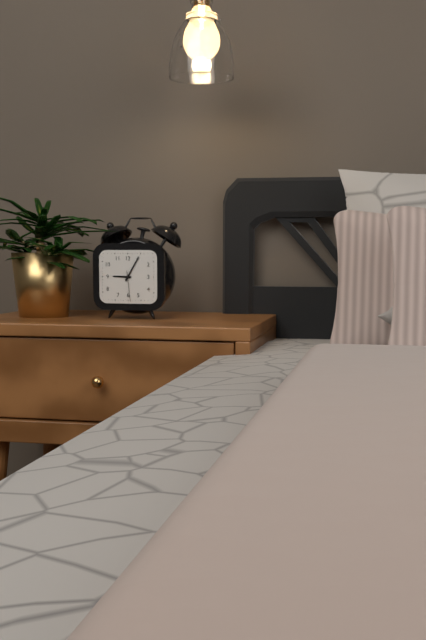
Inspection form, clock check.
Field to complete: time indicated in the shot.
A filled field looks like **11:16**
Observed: **9:05**
